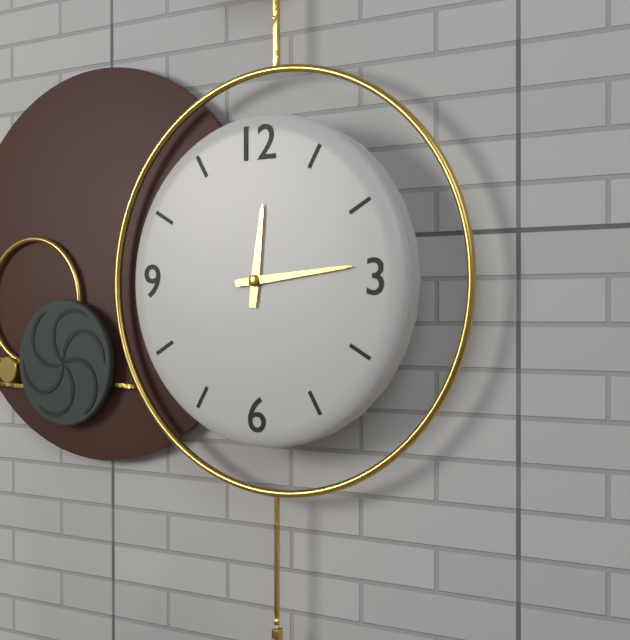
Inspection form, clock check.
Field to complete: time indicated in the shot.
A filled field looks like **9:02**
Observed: **12:14**
